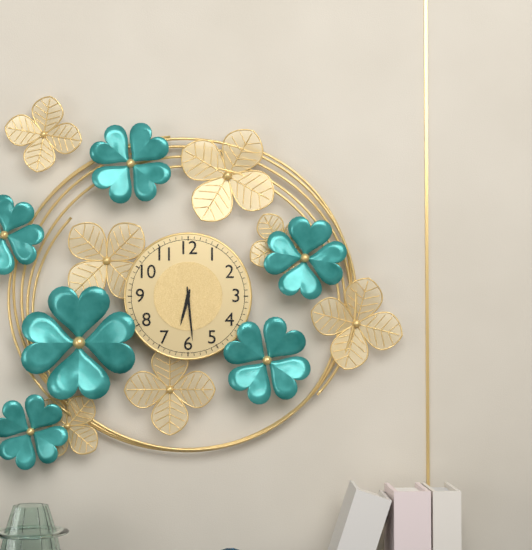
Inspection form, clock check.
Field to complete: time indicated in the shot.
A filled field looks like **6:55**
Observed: **6:29**
